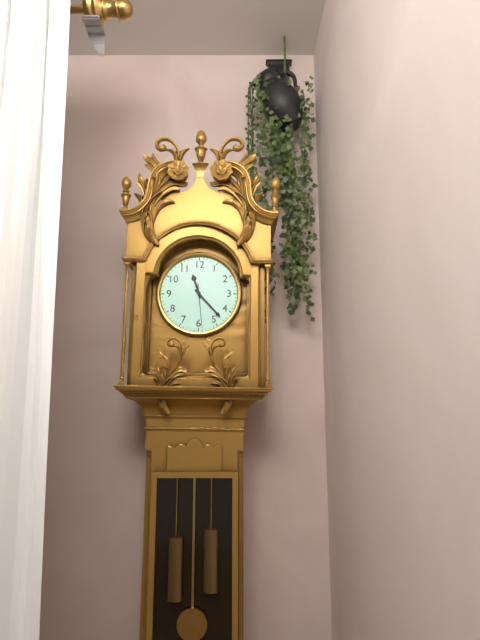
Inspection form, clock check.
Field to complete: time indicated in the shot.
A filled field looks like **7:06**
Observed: **11:23**
